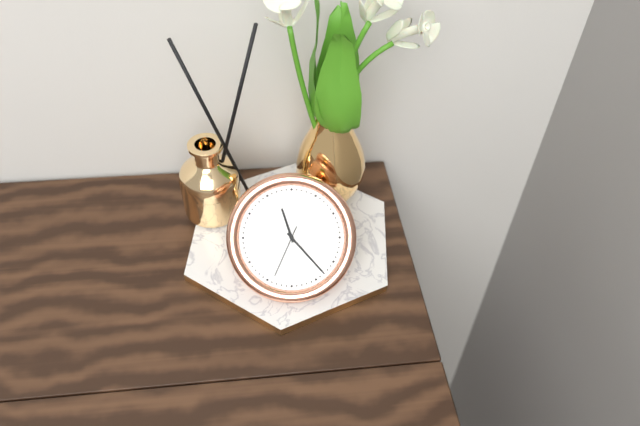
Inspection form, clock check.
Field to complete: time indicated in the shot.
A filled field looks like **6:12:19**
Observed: **11:23:34**
